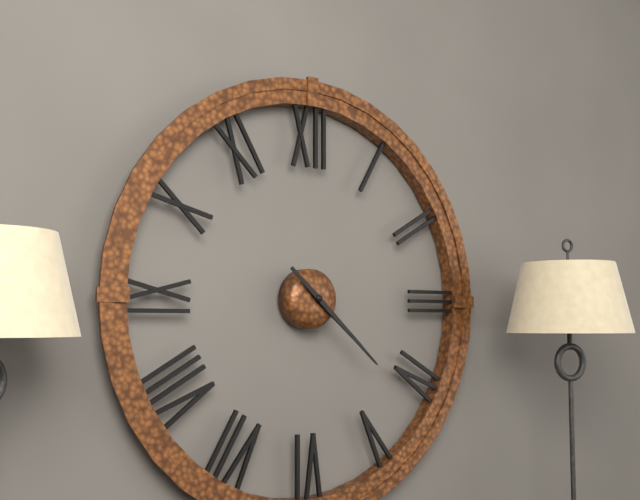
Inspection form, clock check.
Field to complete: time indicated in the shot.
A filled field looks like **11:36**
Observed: **4:22**
